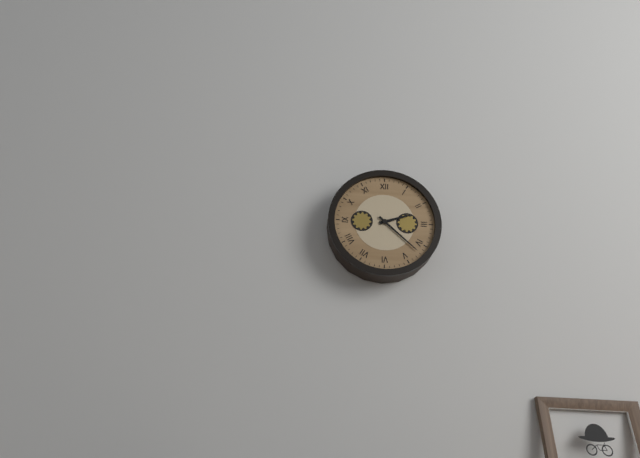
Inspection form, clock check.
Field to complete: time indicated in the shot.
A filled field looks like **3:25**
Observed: **2:22**
